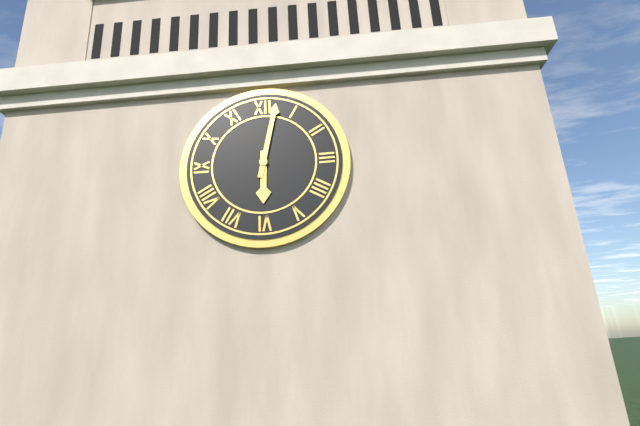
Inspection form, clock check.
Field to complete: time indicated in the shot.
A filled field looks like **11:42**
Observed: **6:02**
